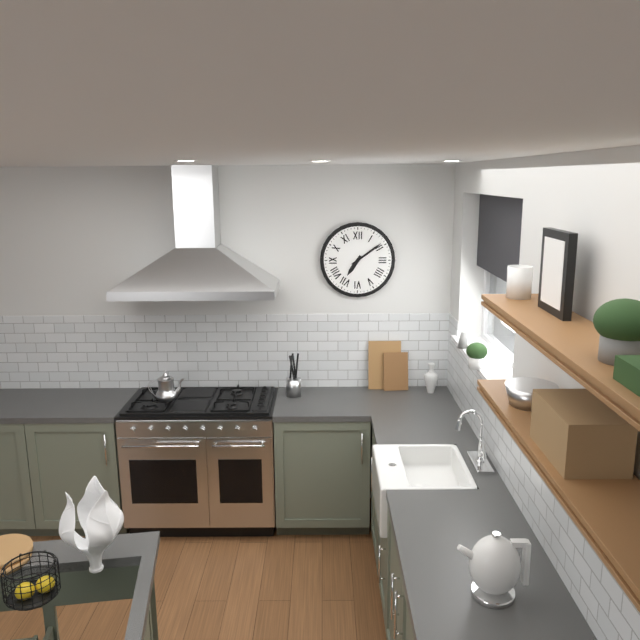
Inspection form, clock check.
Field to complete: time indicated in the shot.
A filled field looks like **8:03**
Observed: **7:09**
